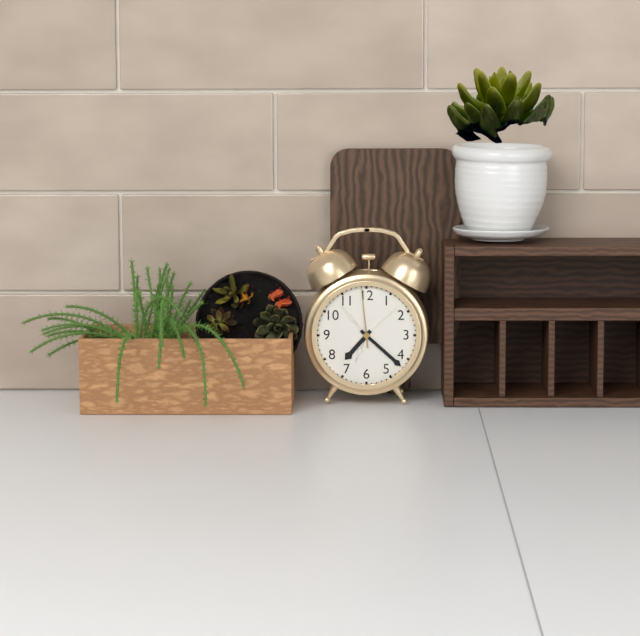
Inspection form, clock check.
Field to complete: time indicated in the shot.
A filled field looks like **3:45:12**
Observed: **7:22:59**
